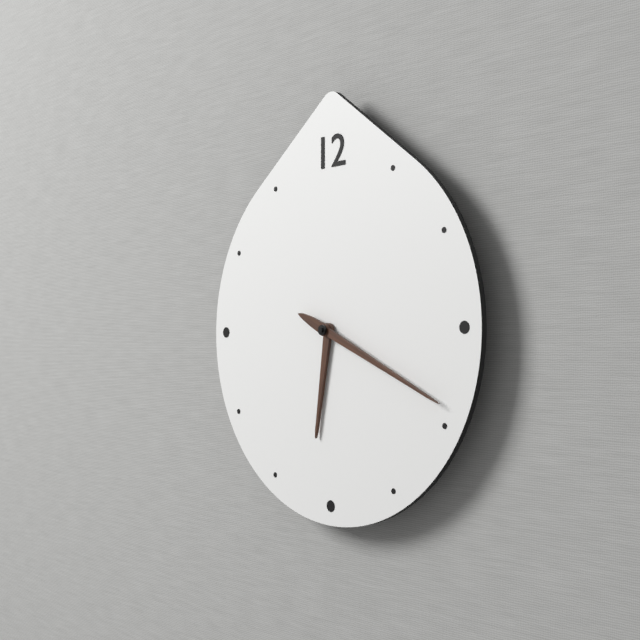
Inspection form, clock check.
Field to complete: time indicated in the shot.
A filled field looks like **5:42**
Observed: **6:19**
